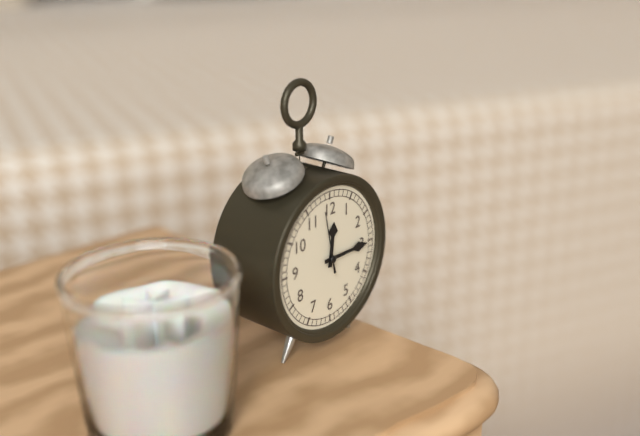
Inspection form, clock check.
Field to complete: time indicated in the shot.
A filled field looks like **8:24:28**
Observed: **12:15:58**
